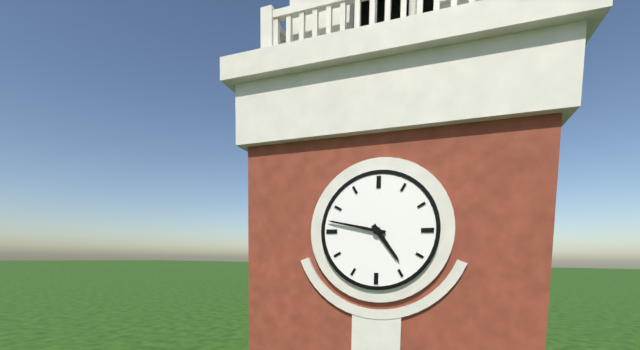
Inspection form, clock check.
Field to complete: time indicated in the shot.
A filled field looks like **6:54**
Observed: **4:47**
